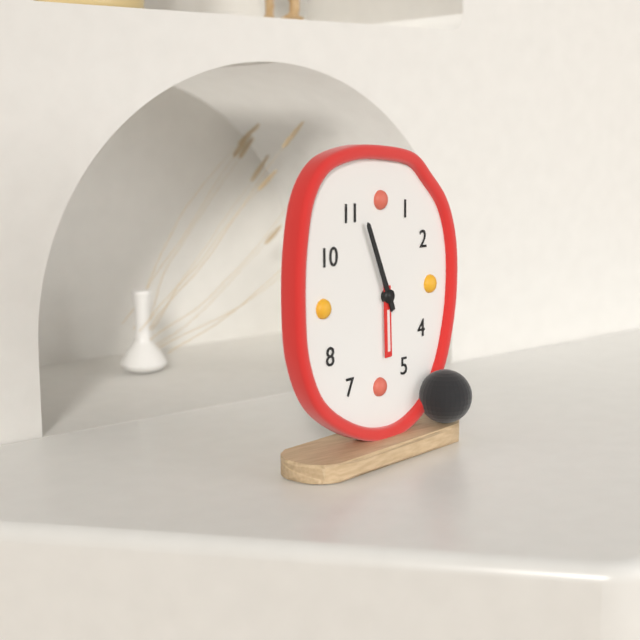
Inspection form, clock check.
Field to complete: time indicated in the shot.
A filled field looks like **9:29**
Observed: **5:56**
